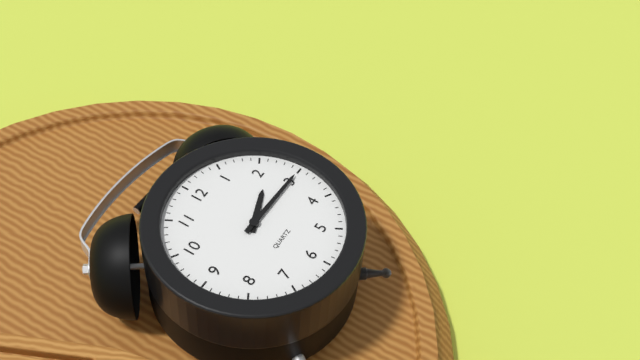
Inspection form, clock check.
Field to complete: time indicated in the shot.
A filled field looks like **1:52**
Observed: **2:15**
